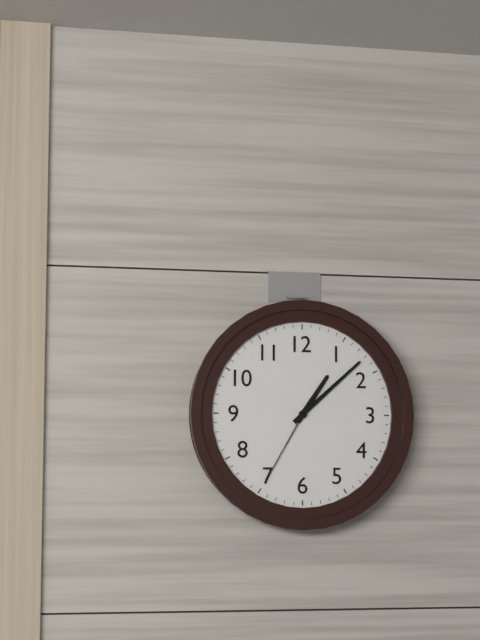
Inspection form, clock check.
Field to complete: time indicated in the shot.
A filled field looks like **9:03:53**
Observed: **1:08:35**
